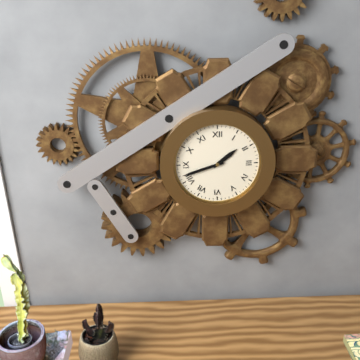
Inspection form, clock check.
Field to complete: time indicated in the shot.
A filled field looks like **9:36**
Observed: **1:42**
